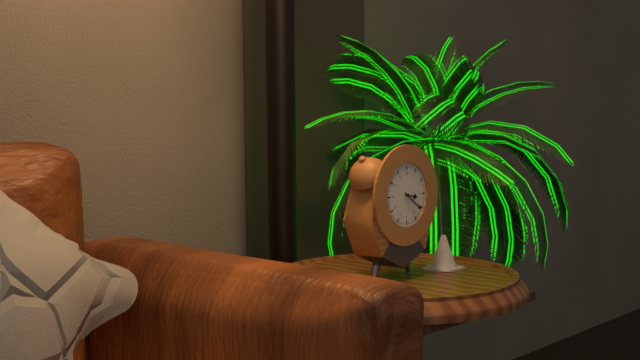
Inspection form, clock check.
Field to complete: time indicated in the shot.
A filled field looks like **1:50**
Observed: **3:21**
